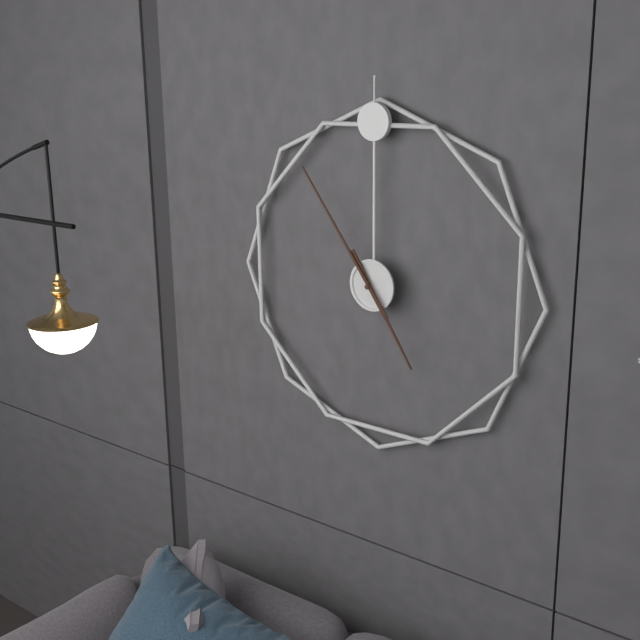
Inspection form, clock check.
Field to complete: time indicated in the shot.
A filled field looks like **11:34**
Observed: **4:54**
